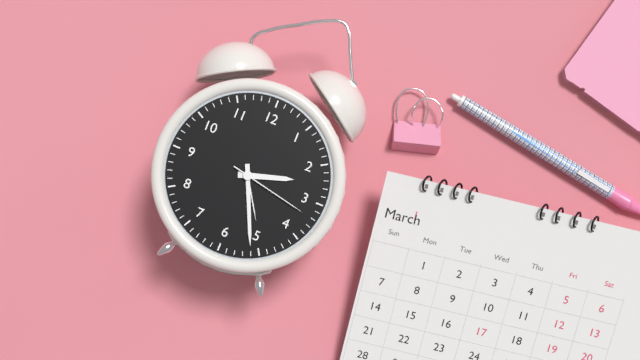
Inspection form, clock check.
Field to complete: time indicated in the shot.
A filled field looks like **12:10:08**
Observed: **2:26:17**
